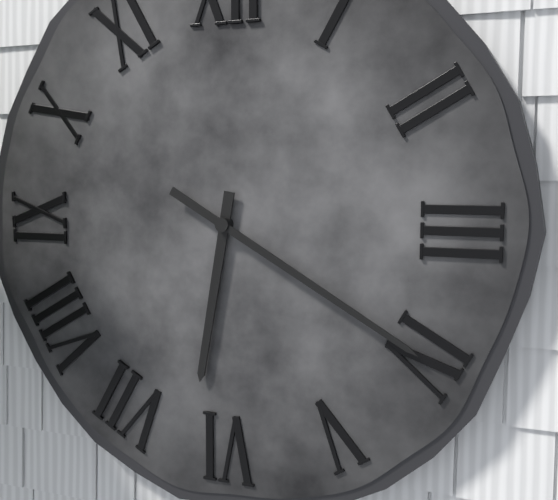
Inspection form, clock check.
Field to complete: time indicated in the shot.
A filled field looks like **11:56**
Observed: **6:20**
